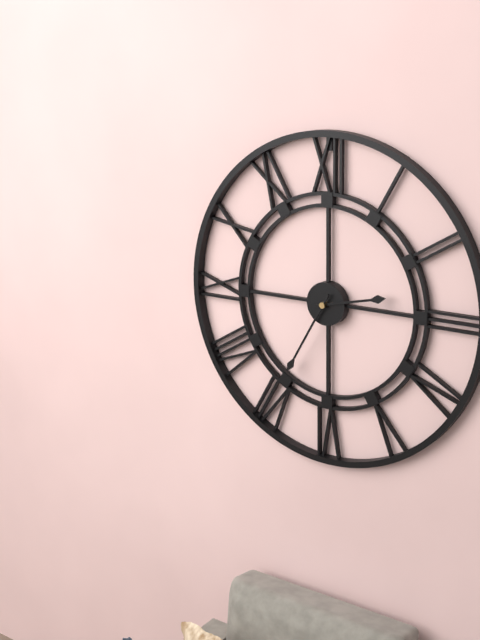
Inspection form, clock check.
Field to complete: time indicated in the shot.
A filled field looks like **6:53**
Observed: **2:35**
